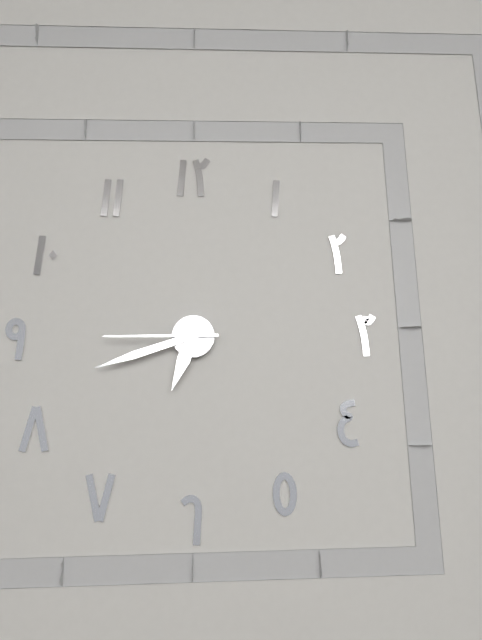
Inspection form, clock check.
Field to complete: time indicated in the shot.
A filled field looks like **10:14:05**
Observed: **6:42:45**
